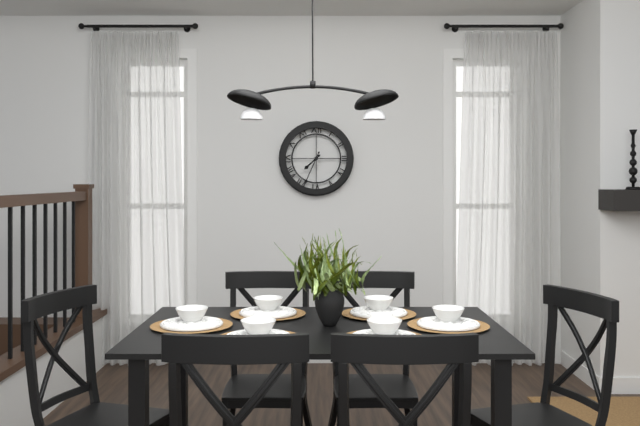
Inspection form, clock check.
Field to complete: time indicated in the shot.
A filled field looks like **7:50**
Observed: **7:34**
